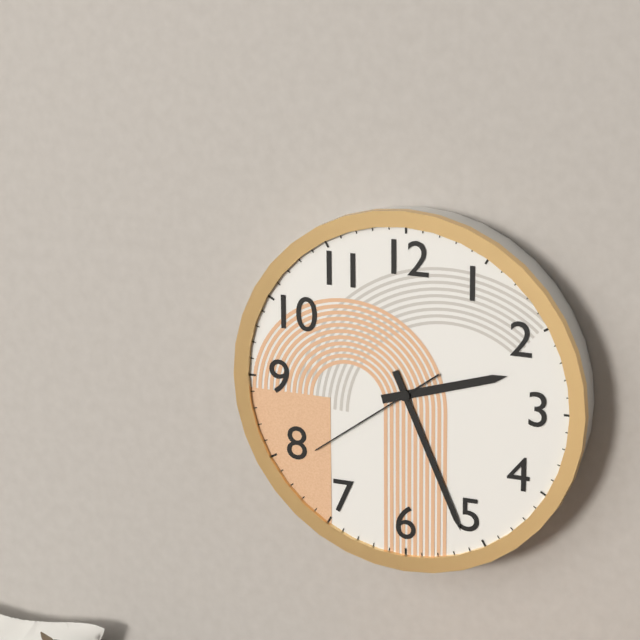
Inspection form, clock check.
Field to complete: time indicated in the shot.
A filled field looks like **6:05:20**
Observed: **2:26:39**
